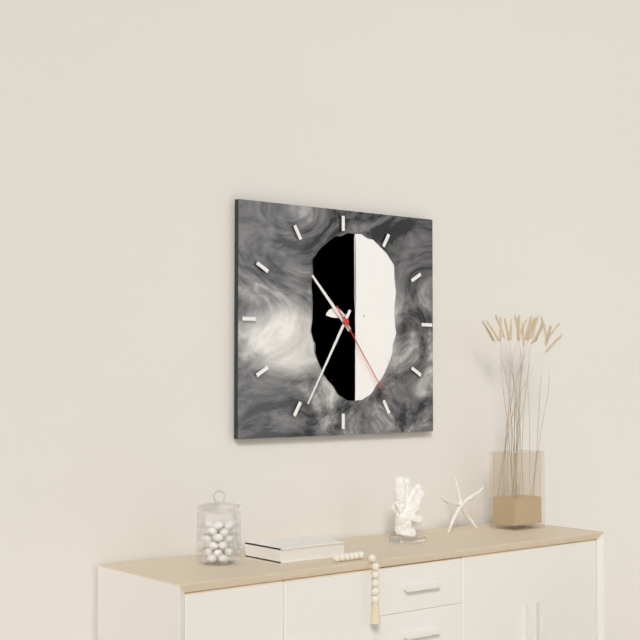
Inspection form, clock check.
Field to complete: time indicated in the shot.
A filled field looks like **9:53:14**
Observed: **10:35:24**
